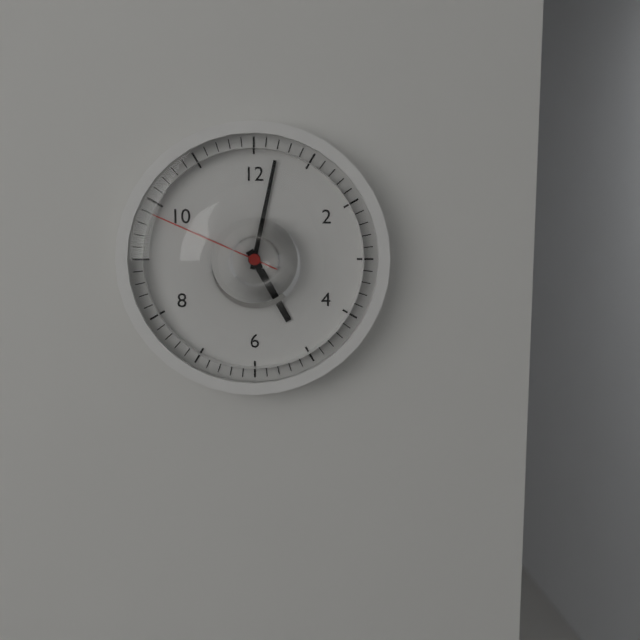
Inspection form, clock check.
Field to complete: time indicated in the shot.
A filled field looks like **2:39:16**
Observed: **5:02:49**
